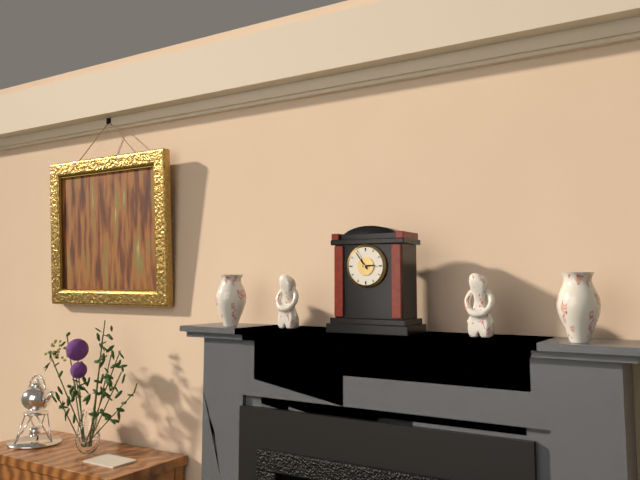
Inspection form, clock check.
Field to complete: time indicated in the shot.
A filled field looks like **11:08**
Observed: **2:54**
